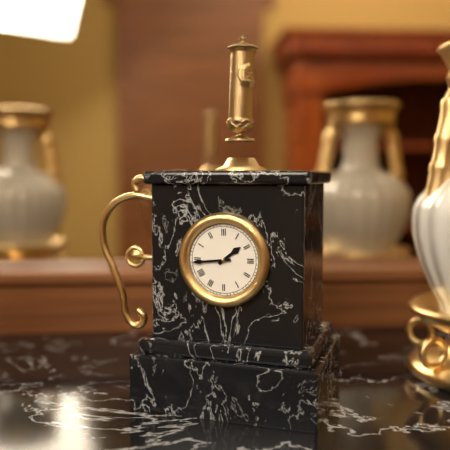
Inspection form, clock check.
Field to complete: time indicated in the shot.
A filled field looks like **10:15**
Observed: **1:44**
